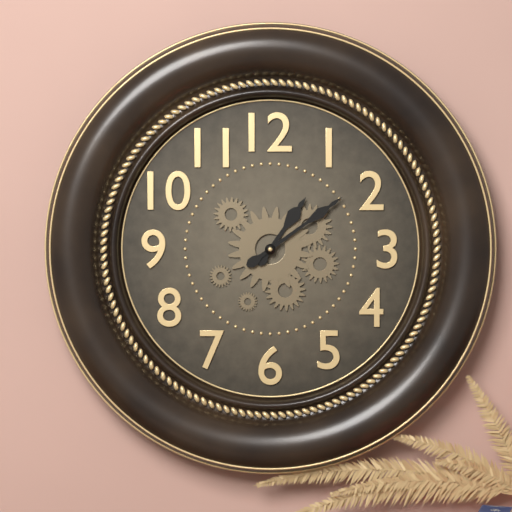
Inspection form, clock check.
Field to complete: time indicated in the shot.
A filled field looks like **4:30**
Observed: **1:09**
